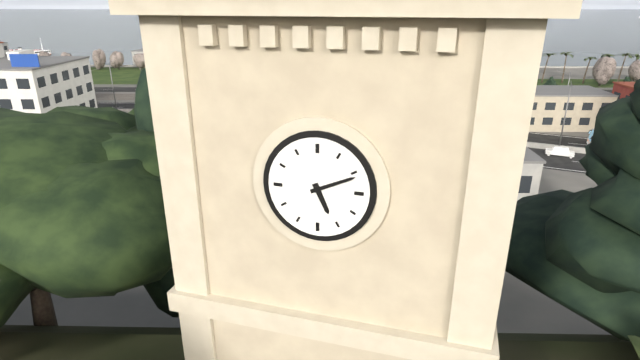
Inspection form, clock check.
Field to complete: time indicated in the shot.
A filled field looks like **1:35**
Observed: **5:11**
